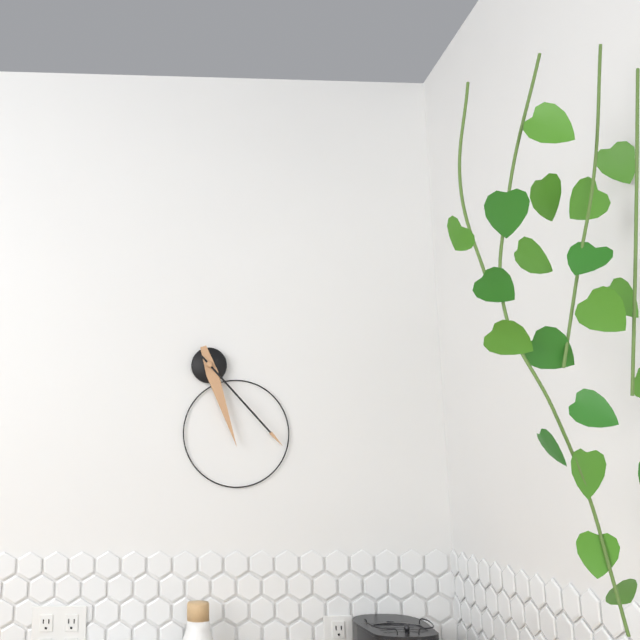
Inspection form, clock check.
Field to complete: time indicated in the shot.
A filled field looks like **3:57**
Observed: **5:23**
